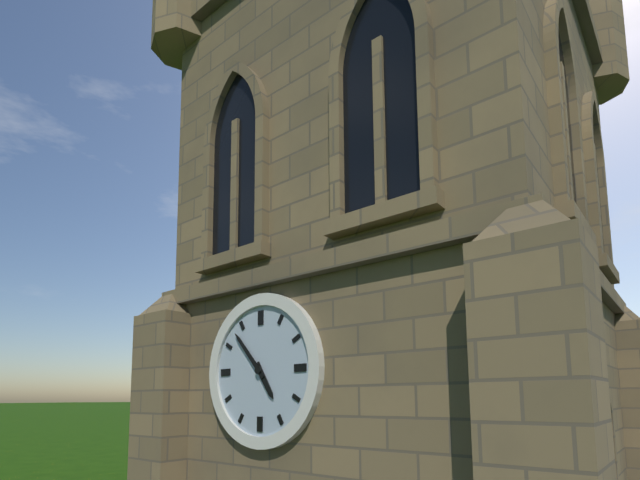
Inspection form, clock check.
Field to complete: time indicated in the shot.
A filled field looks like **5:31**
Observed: **4:53**
